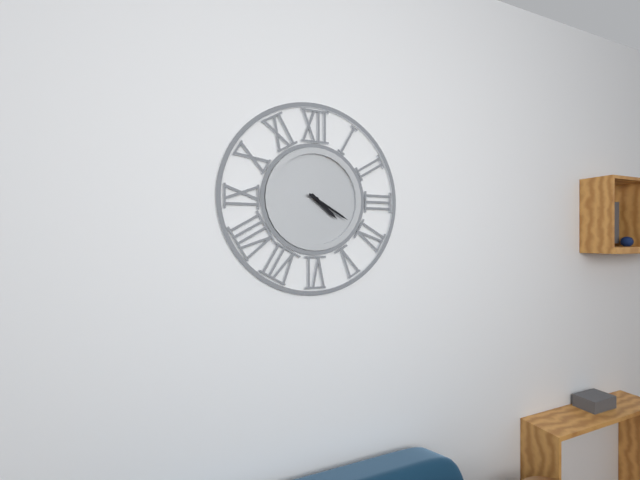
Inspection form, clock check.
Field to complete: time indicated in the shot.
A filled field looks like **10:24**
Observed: **4:20**
